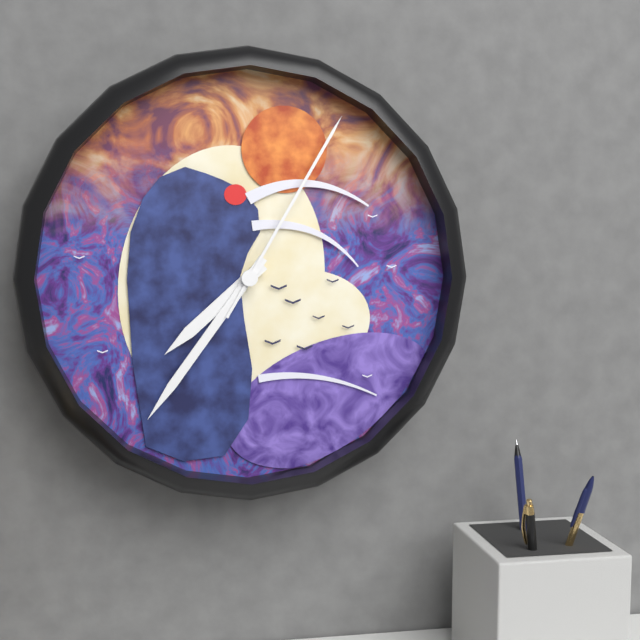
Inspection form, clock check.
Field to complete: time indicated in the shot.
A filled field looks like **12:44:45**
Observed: **7:36:05**
